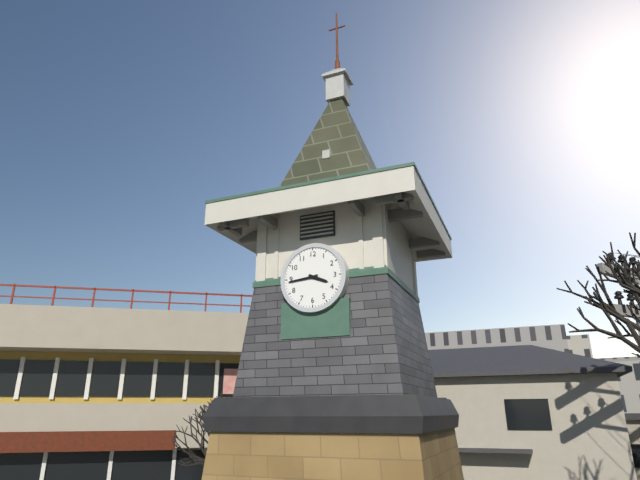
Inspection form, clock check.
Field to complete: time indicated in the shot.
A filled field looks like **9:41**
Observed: **3:44**
